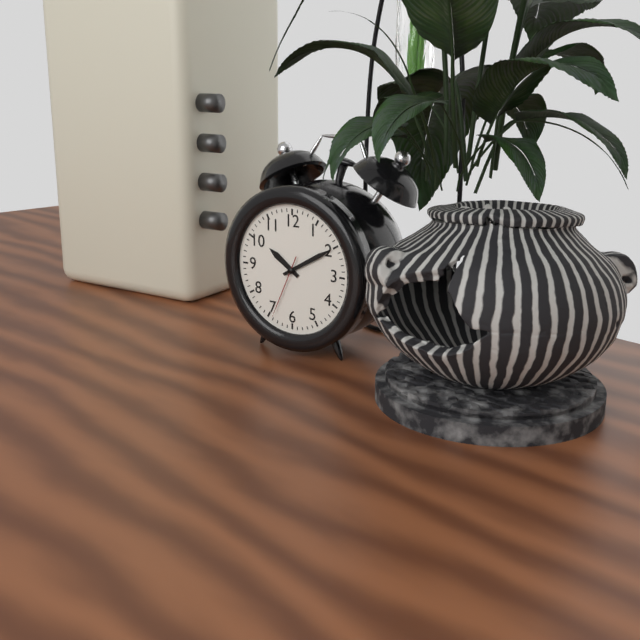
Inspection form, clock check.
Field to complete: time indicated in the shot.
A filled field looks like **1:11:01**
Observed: **10:10:34**
